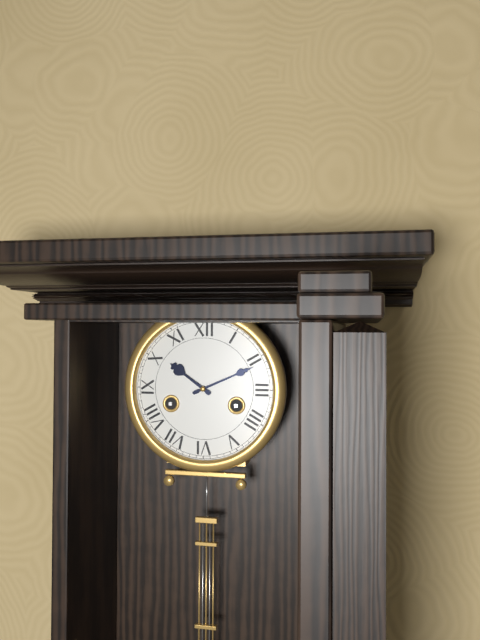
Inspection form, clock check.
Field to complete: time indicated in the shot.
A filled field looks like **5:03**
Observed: **10:11**
